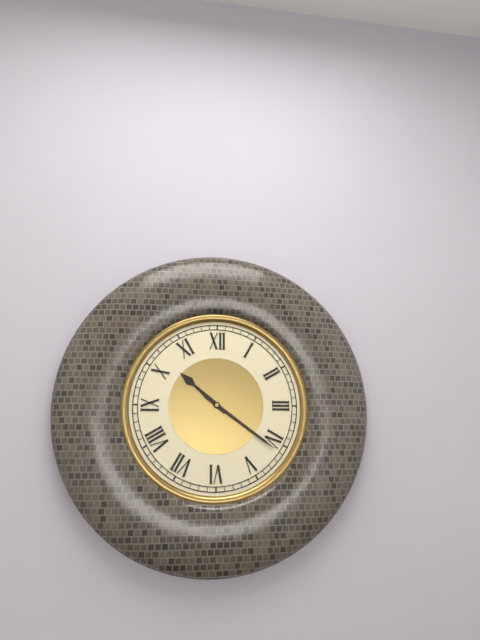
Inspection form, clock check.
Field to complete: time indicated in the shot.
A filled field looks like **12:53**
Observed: **10:21**
